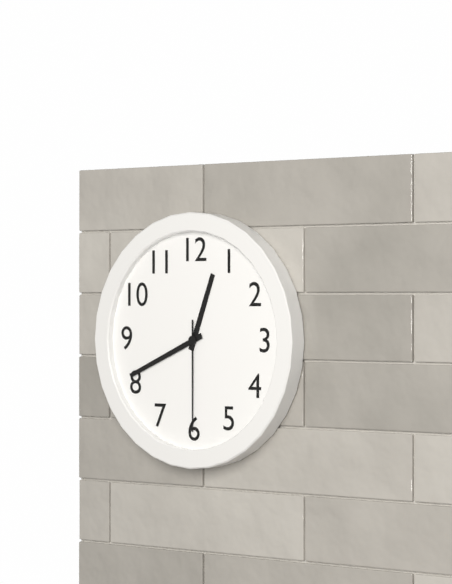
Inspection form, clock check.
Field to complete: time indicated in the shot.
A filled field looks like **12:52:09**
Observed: **12:41:30**
